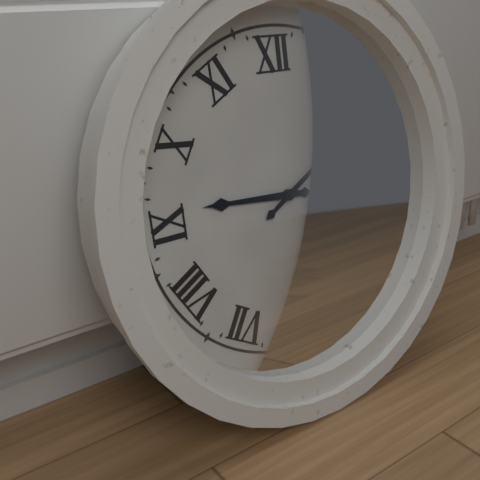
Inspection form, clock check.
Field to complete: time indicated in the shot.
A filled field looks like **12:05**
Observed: **9:10**
